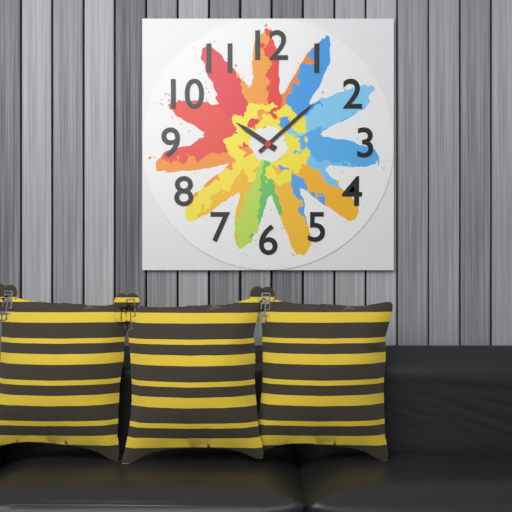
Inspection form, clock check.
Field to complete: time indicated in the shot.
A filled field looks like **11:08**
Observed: **10:08**
